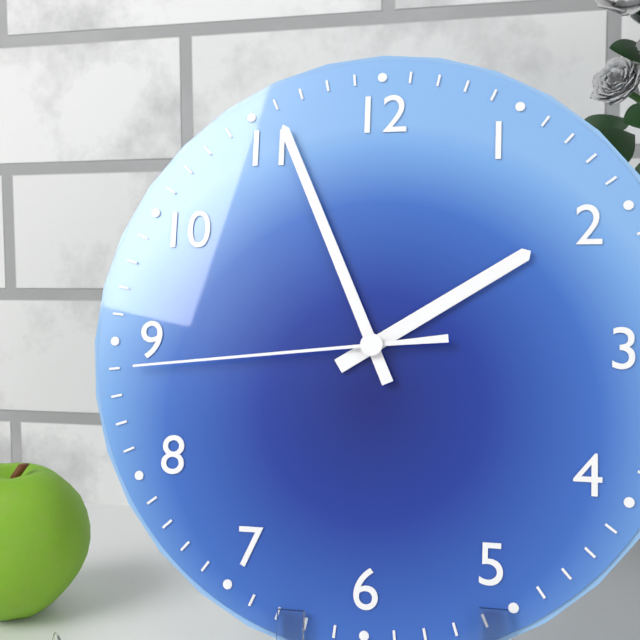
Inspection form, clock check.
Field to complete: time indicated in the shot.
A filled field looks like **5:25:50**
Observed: **1:56:44**
